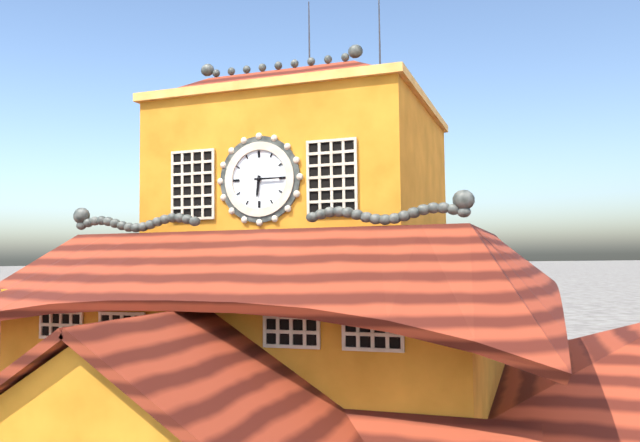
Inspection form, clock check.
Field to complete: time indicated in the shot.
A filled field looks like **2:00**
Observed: **6:15**
